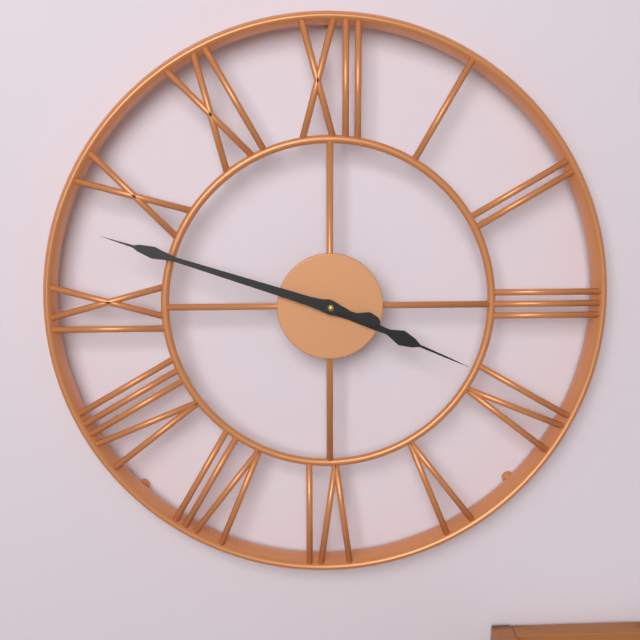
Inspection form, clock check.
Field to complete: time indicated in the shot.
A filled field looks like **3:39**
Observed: **3:48**
